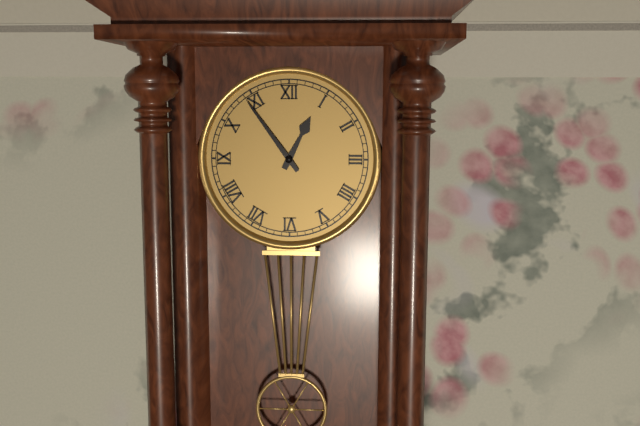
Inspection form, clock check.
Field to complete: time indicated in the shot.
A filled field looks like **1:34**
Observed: **12:54**
